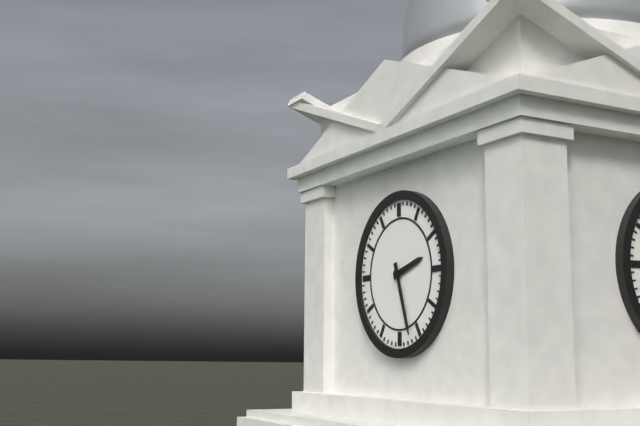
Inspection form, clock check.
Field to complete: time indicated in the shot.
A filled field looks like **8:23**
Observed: **2:27**
